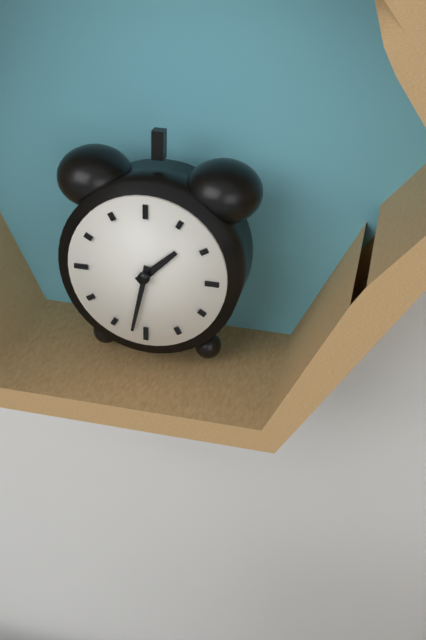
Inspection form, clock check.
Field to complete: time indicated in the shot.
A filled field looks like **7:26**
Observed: **1:32**
